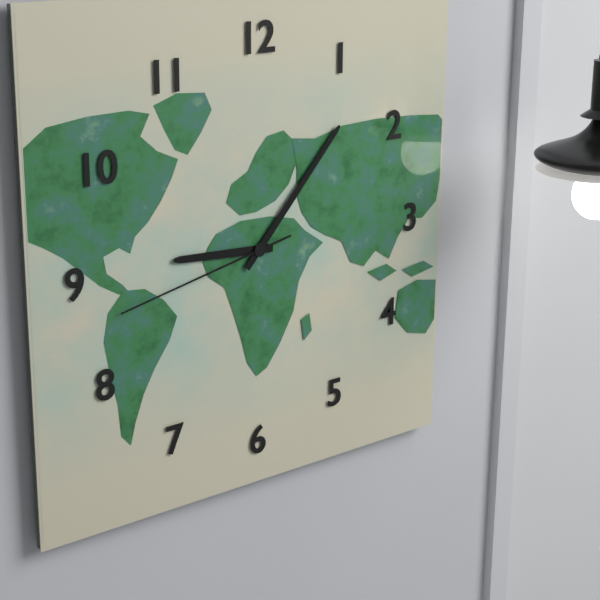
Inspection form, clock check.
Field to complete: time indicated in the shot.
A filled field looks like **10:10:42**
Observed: **9:07:43**
